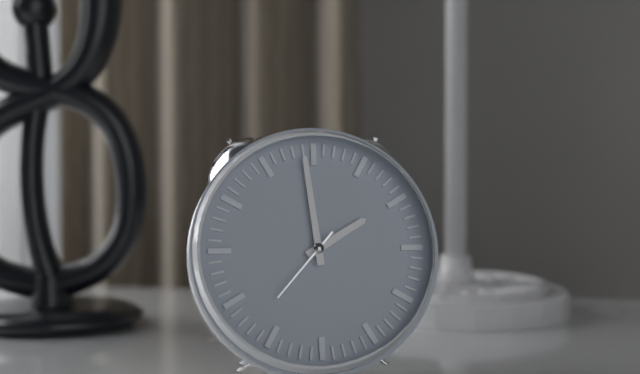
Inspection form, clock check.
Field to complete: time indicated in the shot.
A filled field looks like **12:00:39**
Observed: **1:59:37**
